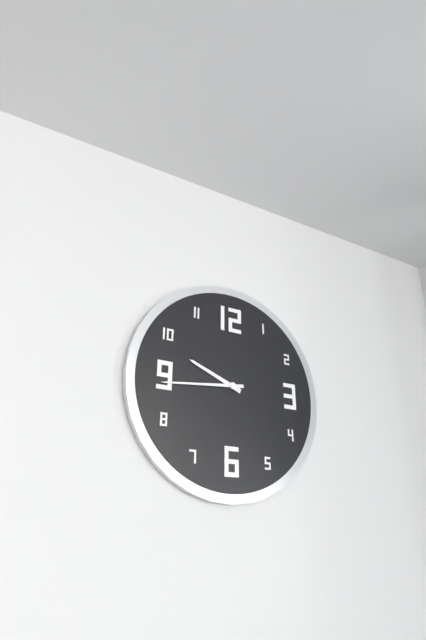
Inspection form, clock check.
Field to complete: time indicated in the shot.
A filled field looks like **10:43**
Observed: **9:44**
